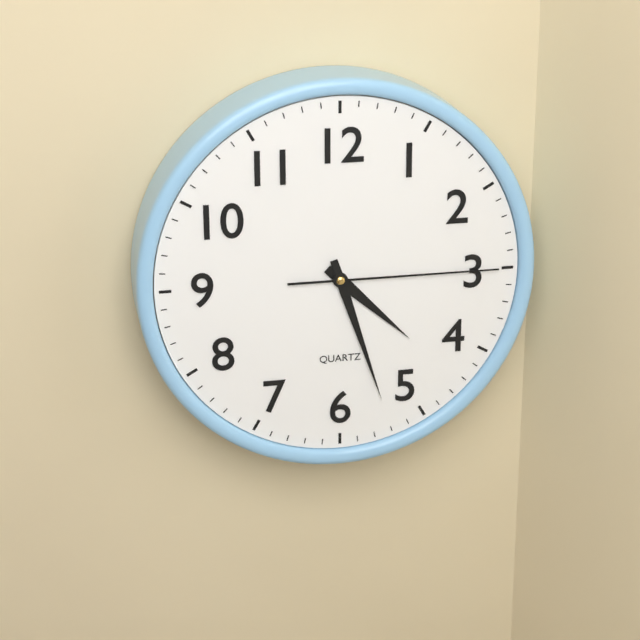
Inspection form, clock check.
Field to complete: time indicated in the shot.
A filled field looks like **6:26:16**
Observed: **4:27:15**
